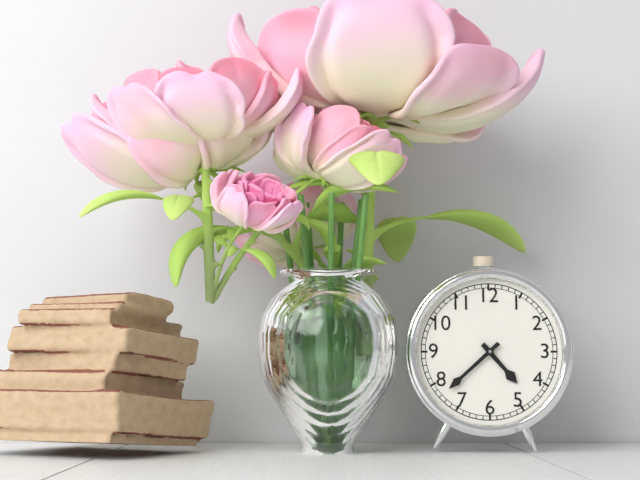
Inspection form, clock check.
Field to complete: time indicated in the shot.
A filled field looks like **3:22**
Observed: **4:38**
